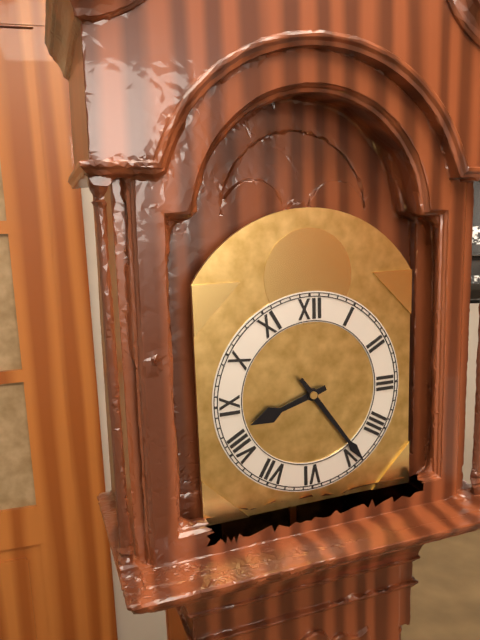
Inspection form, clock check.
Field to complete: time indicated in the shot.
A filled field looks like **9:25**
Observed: **8:24**
